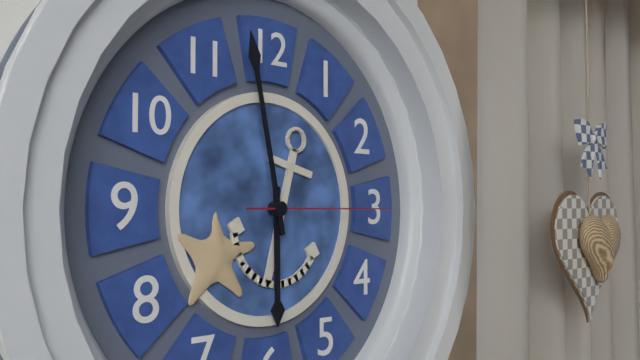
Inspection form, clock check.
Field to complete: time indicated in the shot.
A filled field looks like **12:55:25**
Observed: **5:58:15**
